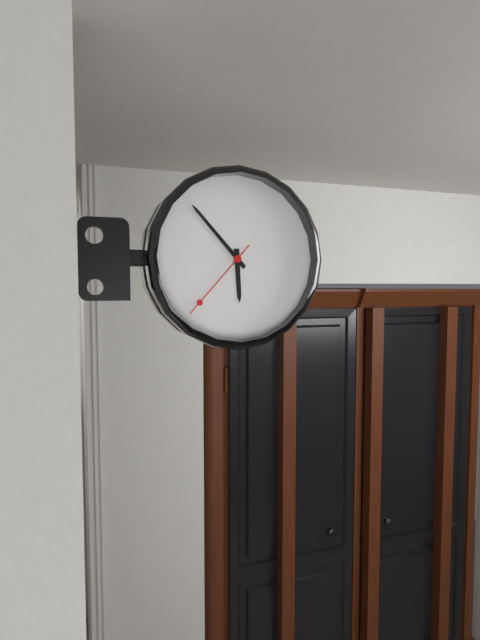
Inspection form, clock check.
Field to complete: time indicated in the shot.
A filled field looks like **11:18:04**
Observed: **5:53:37**
